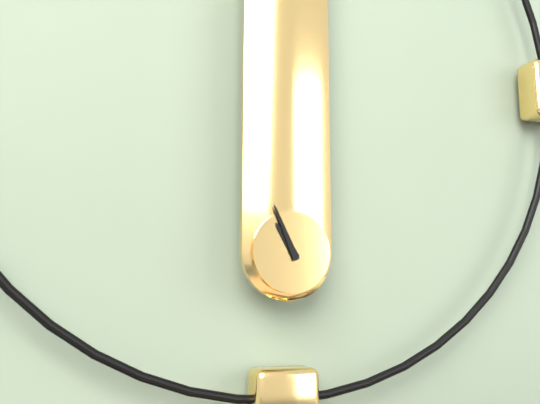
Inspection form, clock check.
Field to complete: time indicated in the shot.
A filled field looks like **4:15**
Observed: **10:56**
